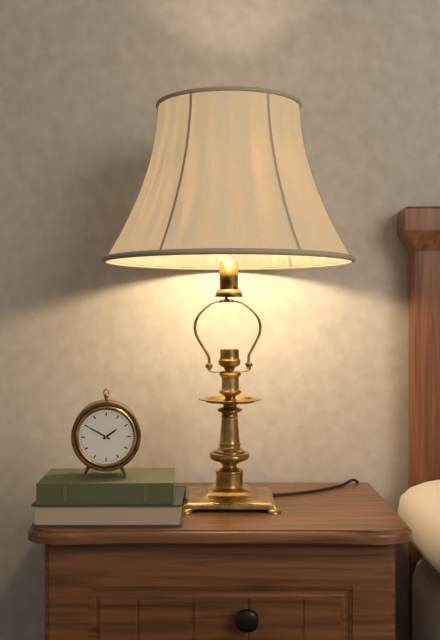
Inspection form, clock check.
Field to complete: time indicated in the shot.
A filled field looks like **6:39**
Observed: **1:50**
